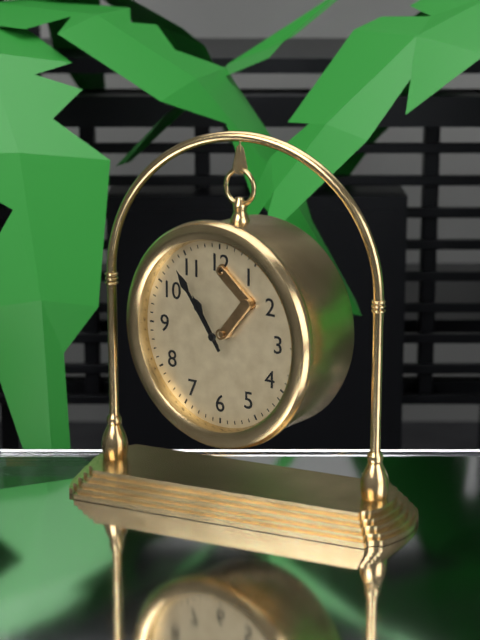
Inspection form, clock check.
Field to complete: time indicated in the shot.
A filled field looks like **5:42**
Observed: **10:54**
